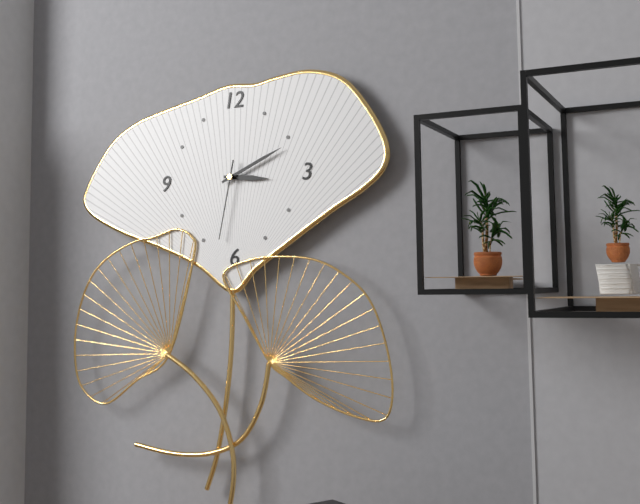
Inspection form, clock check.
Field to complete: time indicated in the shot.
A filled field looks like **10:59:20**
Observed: **3:11:32**
